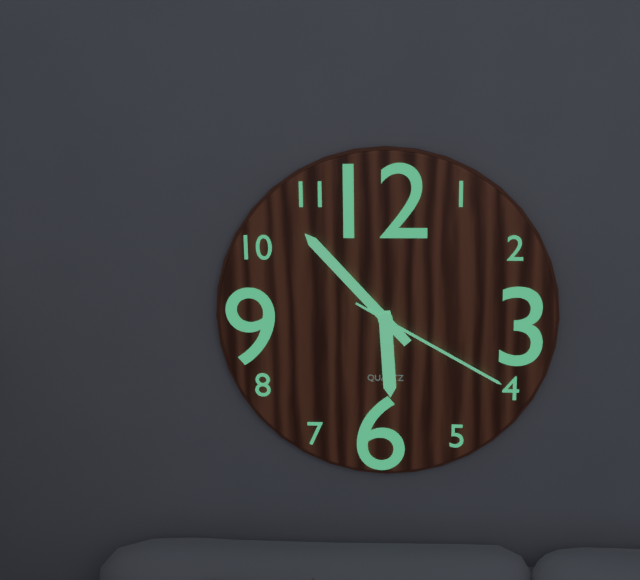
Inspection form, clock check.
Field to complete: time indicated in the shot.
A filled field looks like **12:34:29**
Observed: **5:53:20**
